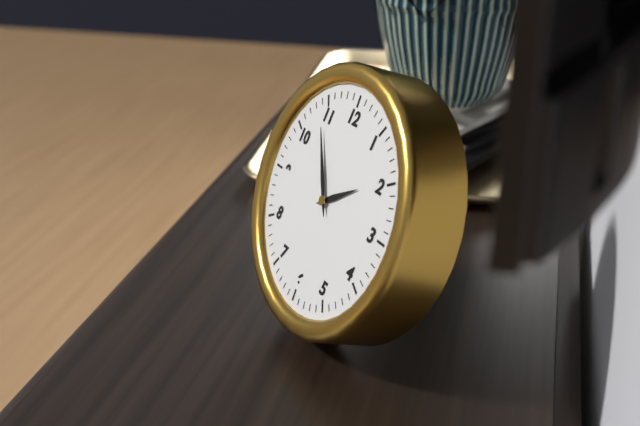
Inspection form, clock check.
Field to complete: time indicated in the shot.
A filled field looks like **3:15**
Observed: **1:54**
